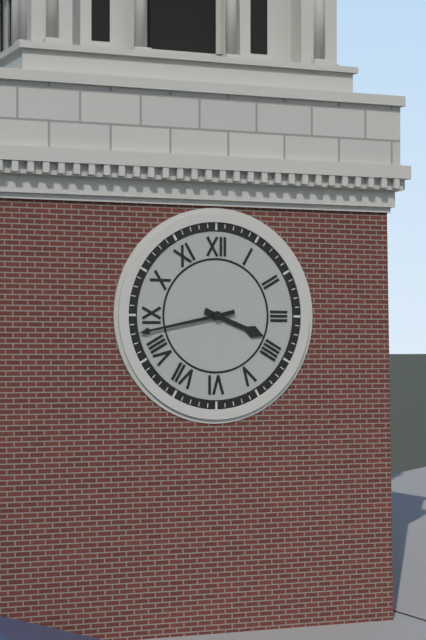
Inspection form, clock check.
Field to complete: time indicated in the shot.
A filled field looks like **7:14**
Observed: **3:43**
